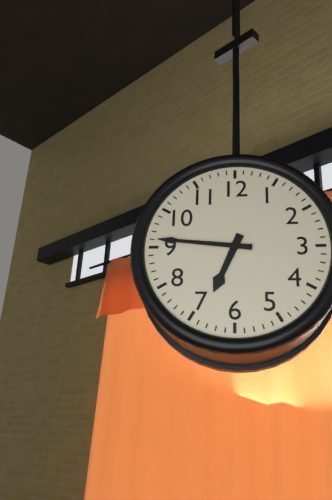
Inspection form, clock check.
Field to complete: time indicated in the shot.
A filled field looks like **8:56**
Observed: **6:46**
